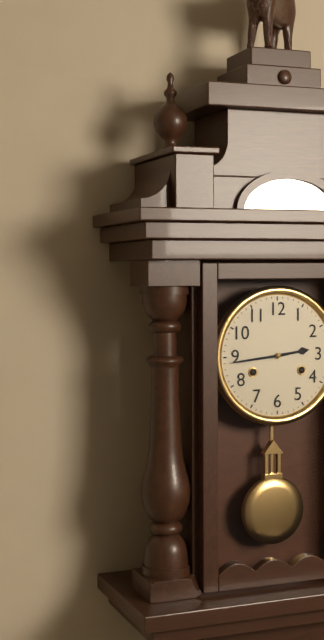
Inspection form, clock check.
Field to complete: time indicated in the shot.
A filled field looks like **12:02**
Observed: **2:44**
